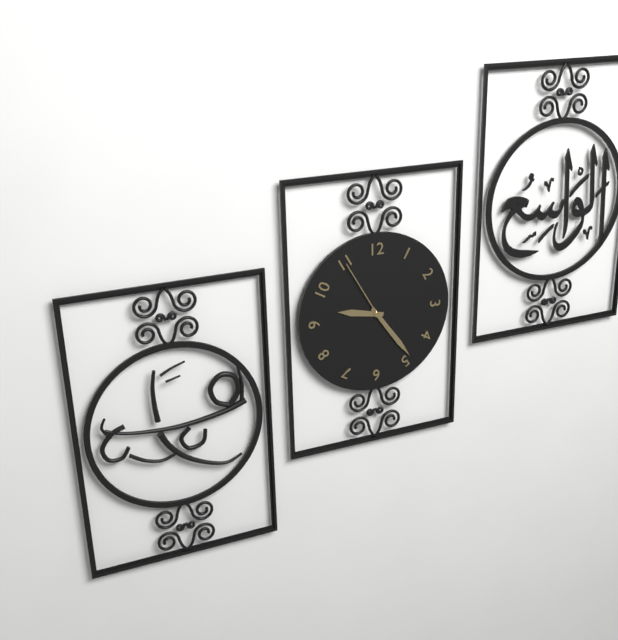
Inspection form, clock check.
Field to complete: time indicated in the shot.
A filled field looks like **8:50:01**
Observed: **9:24:55**
